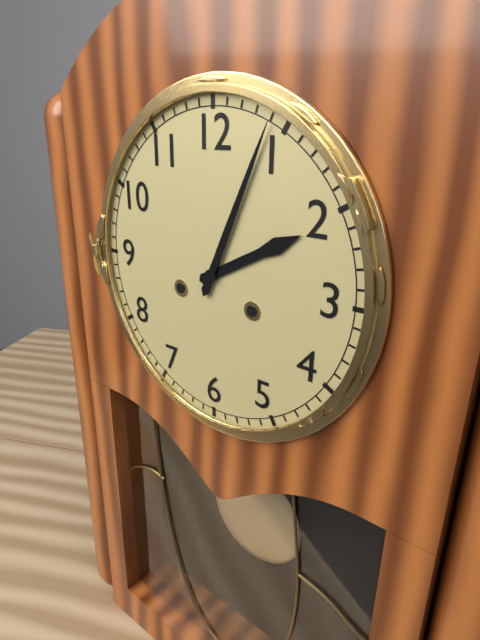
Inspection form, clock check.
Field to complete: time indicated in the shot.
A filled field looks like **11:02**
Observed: **2:04**
